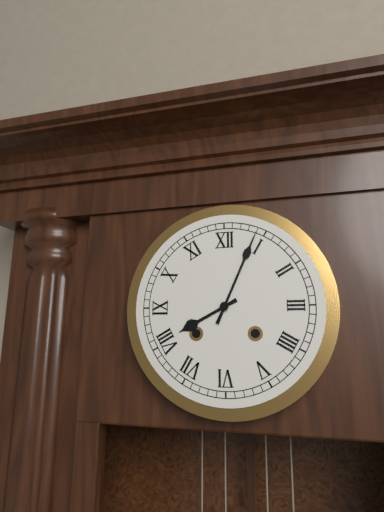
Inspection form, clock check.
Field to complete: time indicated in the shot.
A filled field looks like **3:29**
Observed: **8:04**
